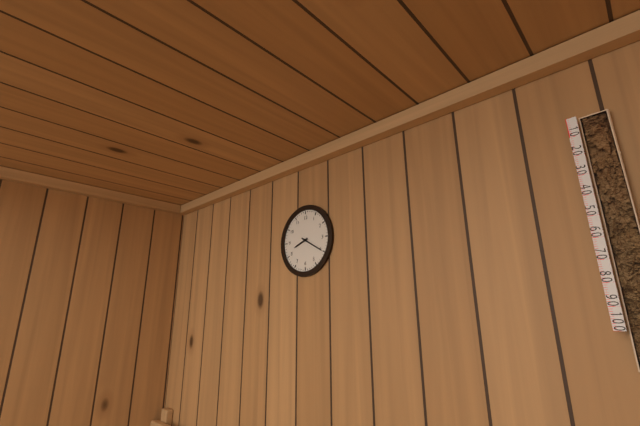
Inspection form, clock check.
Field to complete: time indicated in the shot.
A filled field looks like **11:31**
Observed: **8:20**
